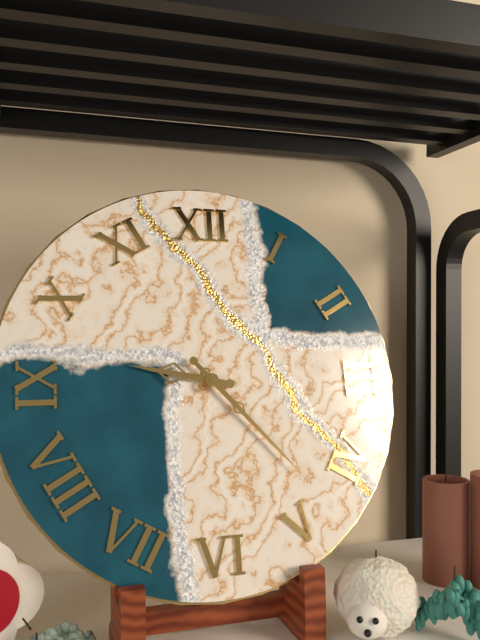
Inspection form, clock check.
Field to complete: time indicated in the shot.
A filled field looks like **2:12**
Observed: **9:23**
